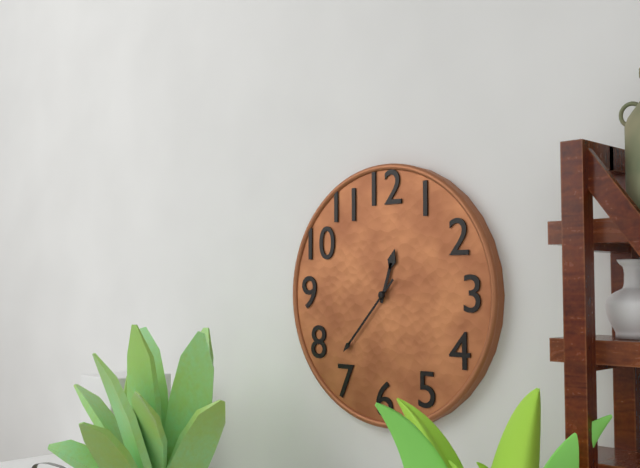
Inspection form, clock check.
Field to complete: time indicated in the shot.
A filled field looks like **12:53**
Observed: **12:37**
